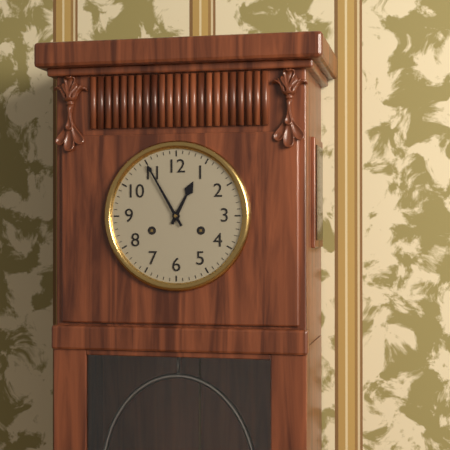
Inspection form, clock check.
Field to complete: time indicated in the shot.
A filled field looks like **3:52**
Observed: **12:55**
